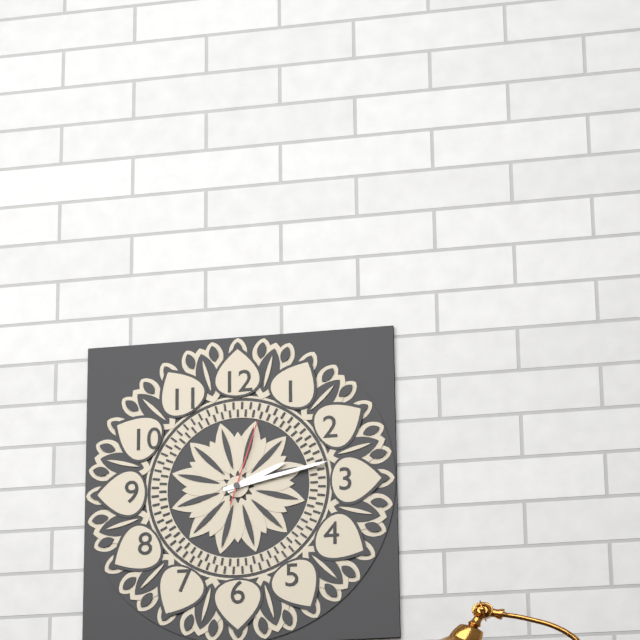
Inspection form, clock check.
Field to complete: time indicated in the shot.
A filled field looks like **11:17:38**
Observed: **2:13:03**
